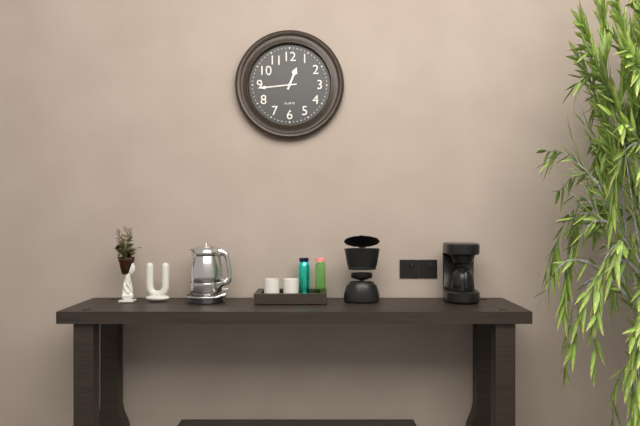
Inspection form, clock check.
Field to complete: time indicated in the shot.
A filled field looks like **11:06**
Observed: **12:44**
